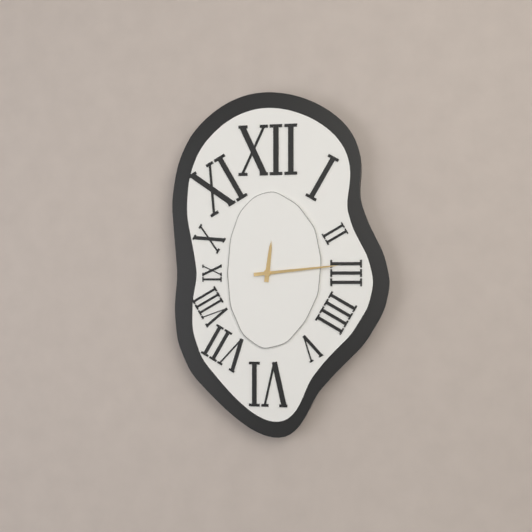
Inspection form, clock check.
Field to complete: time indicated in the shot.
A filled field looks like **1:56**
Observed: **12:14**
